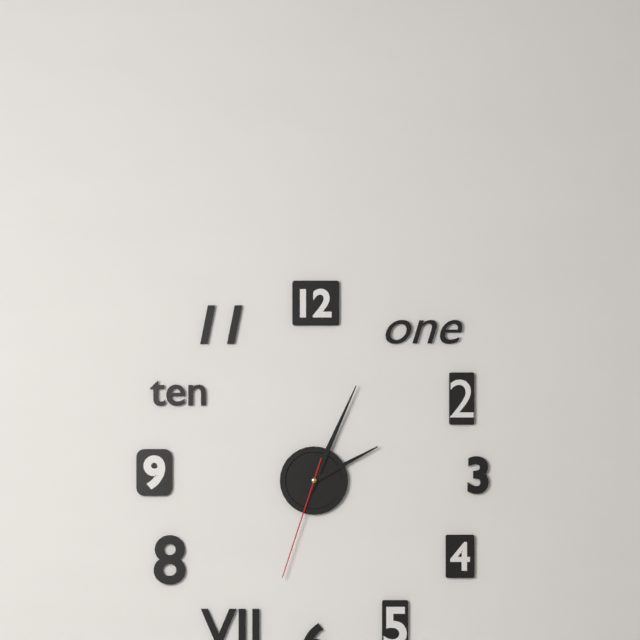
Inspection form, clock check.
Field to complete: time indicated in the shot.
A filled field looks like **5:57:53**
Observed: **2:04:33**
